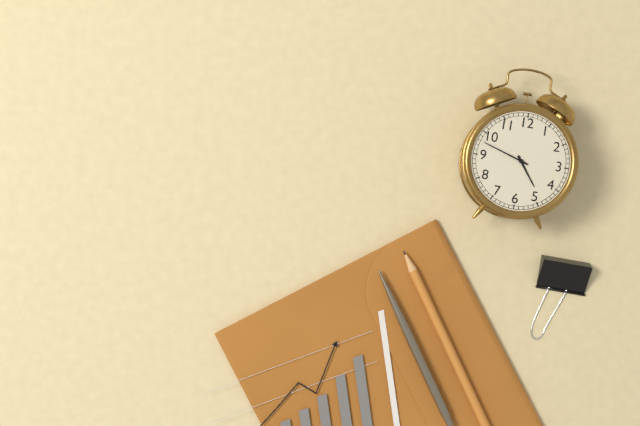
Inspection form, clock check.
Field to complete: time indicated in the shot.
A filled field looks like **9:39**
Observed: **4:48**
